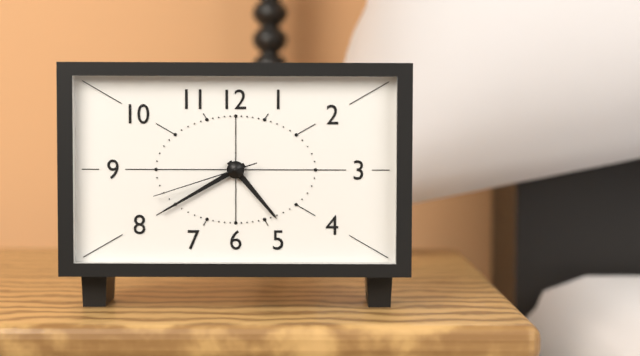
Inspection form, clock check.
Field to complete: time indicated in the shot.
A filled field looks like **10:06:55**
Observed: **4:40:42**
